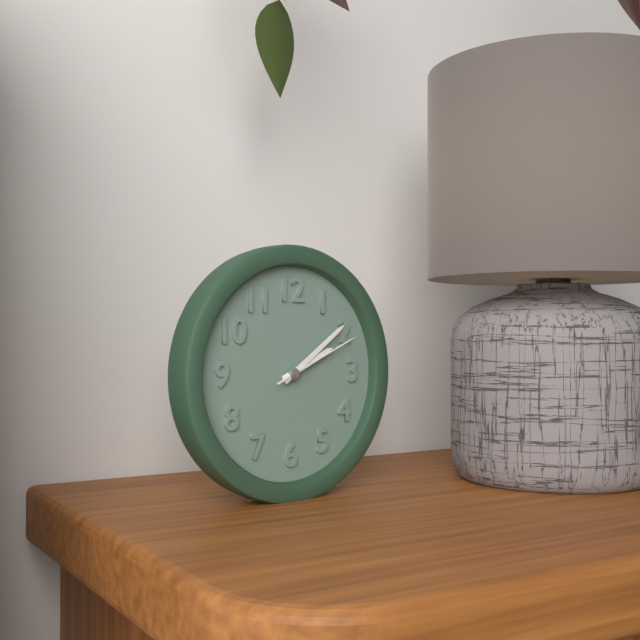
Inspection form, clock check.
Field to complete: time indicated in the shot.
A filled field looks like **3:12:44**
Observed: **2:09:11**
